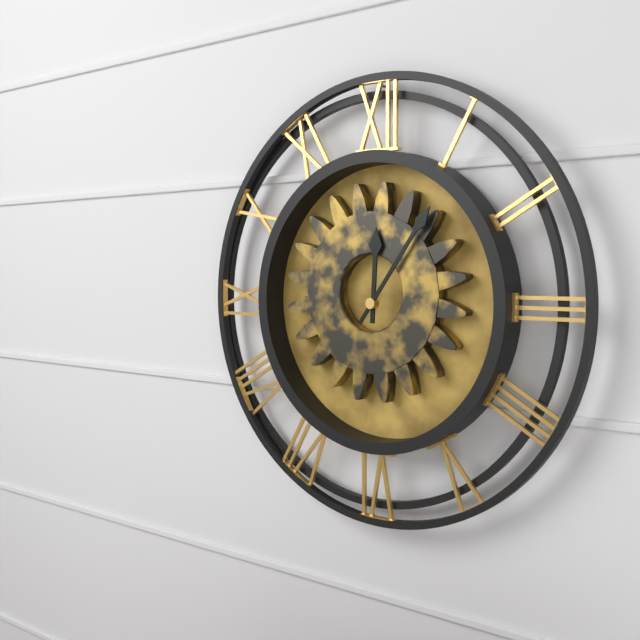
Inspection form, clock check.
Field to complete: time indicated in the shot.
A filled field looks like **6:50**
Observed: **12:06**
